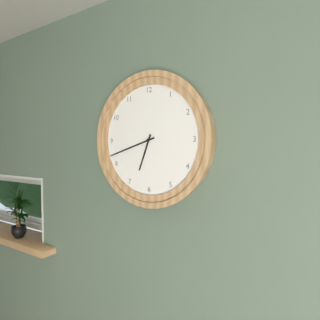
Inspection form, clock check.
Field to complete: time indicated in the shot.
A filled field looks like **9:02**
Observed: **6:42**
